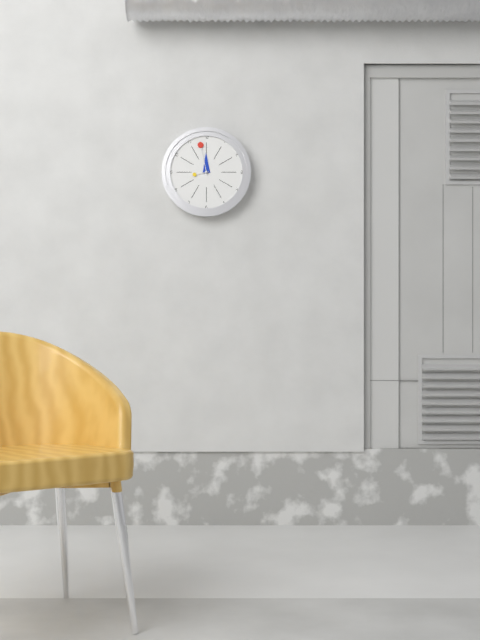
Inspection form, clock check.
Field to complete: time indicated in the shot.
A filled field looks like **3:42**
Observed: **11:58**
